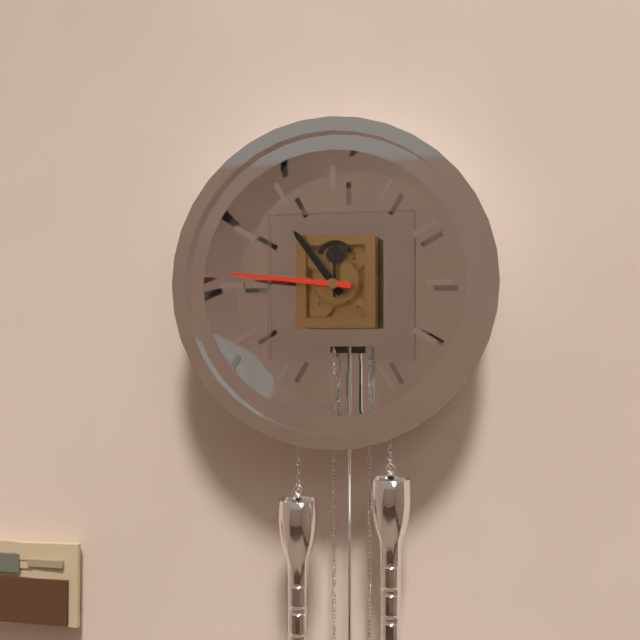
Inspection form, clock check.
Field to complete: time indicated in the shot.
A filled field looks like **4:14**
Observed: **10:46**
